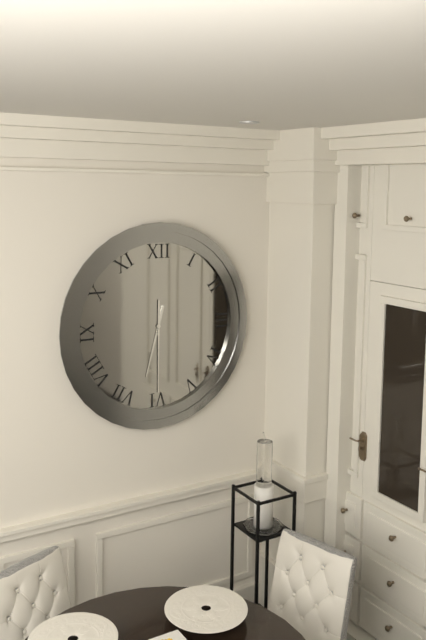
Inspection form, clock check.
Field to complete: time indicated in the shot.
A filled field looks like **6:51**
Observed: **6:30**
